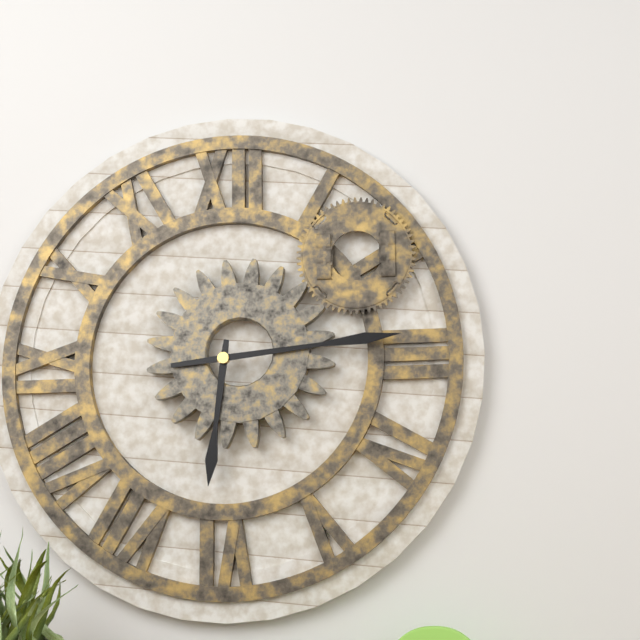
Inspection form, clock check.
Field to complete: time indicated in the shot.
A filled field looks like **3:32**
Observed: **6:14**
